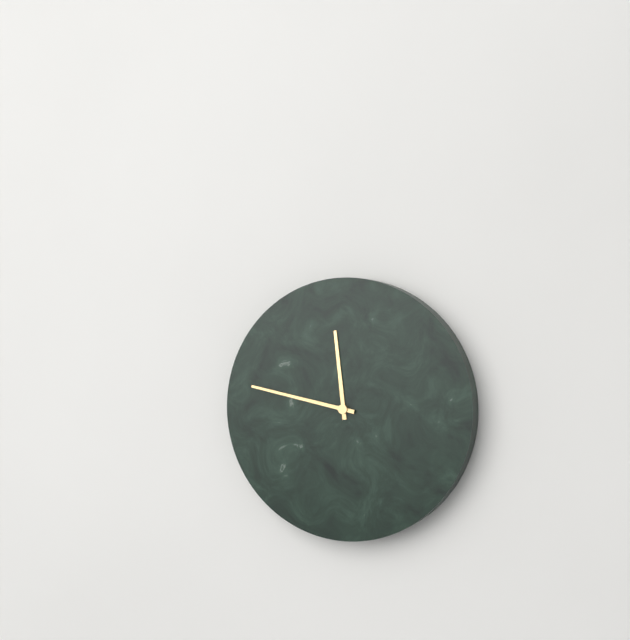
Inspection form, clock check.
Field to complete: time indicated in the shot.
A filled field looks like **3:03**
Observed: **11:47**
